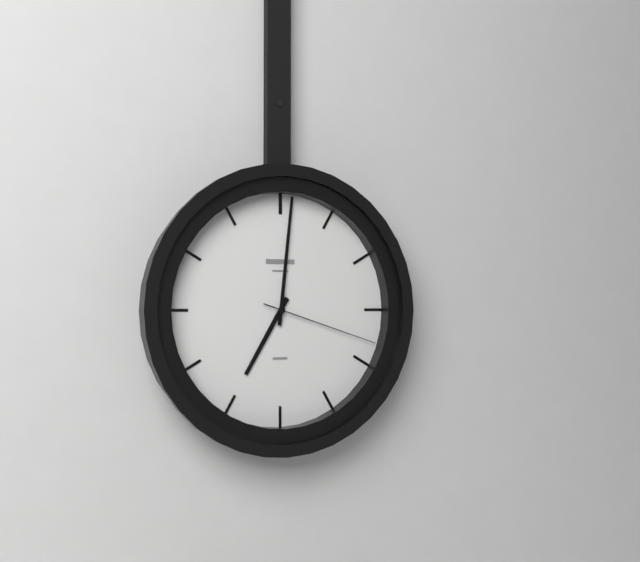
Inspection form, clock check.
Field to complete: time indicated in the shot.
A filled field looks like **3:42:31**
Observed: **7:01:18**
